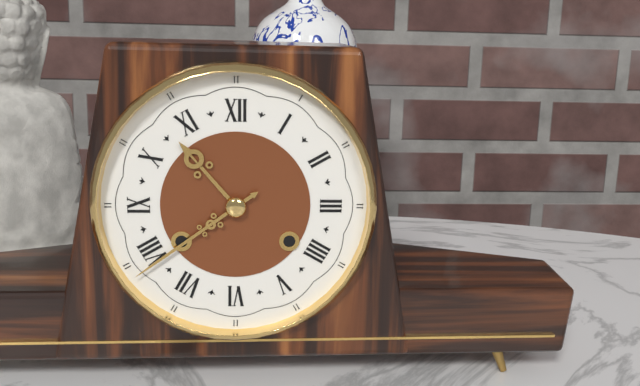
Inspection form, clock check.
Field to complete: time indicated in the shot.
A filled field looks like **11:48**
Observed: **10:39**
